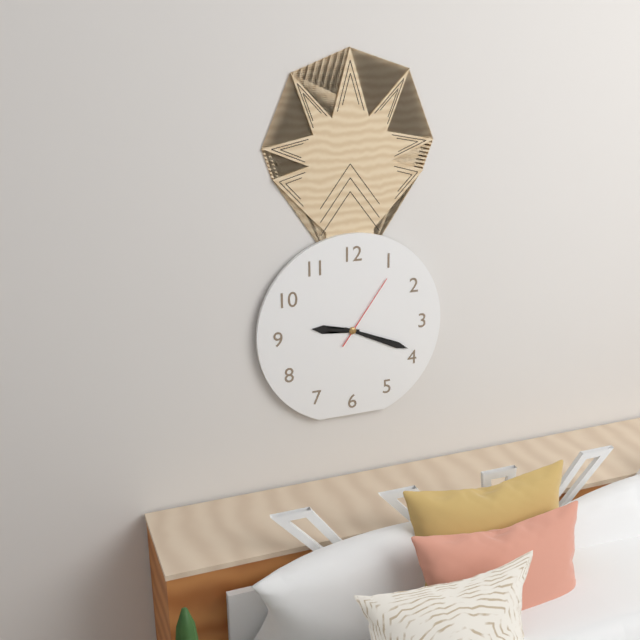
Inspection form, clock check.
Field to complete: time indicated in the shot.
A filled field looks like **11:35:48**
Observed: **9:19:06**
